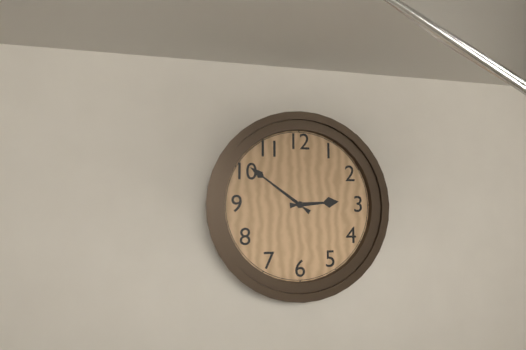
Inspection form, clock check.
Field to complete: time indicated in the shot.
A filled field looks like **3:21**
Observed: **2:51**
